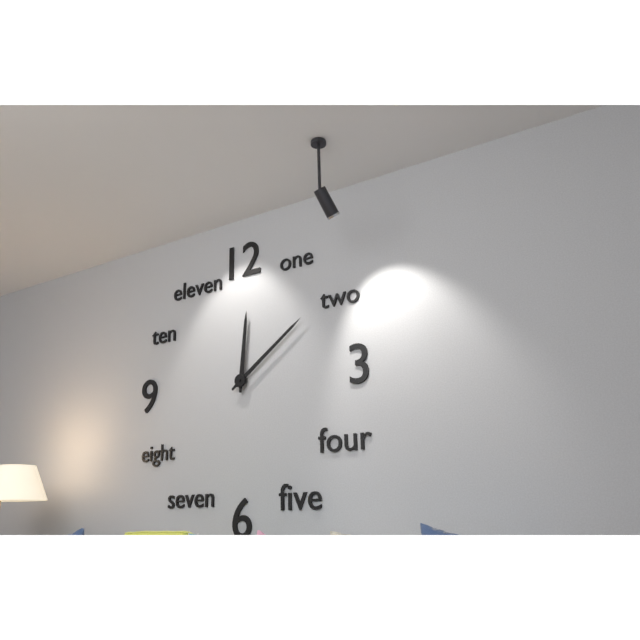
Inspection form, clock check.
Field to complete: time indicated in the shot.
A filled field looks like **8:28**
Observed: **12:09**
